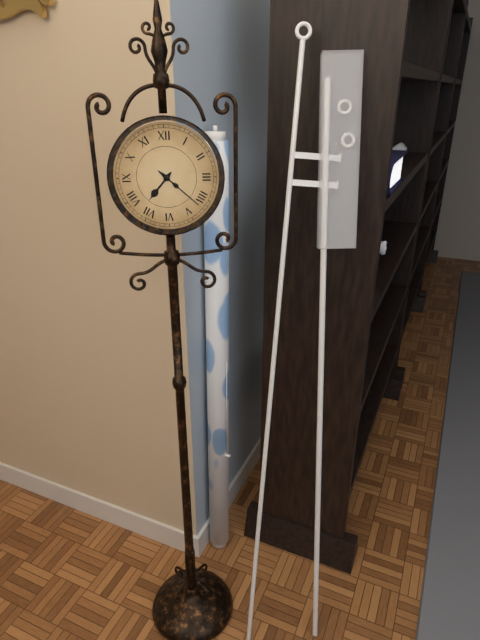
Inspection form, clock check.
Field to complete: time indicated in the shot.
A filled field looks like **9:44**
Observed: **7:22**
